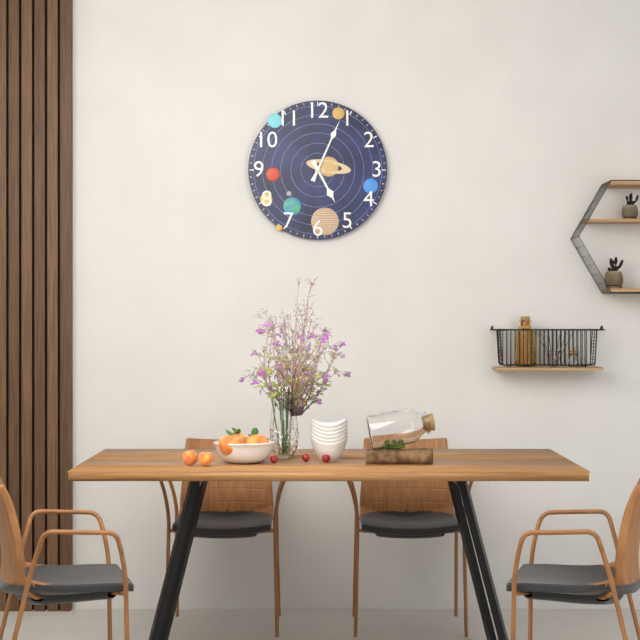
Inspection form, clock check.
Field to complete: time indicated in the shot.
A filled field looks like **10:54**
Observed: **5:04**
